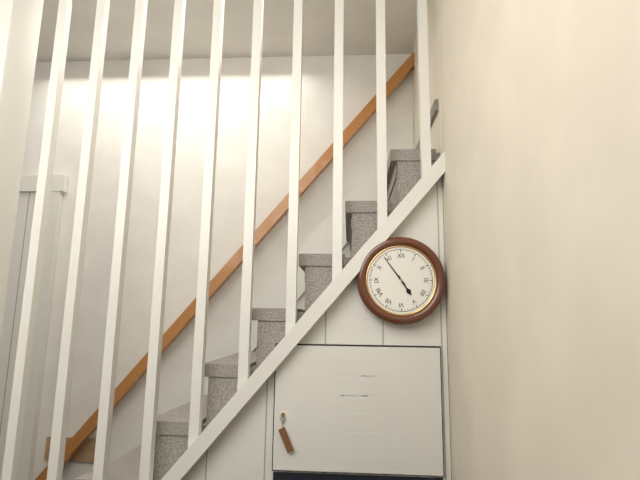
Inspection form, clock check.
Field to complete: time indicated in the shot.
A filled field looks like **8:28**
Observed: **4:54**
